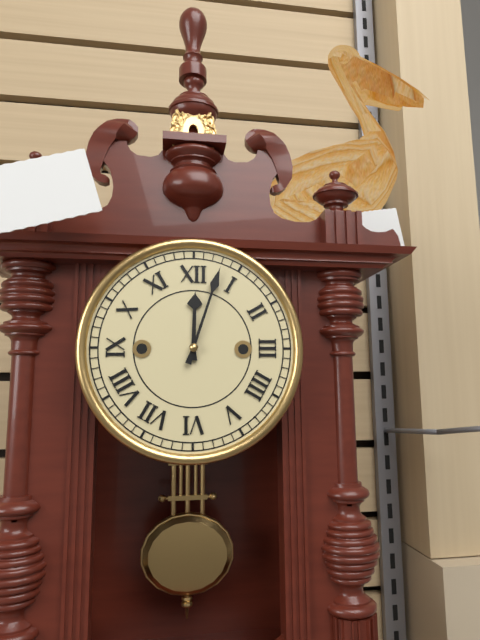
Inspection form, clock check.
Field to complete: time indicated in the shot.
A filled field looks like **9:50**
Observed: **12:03**
